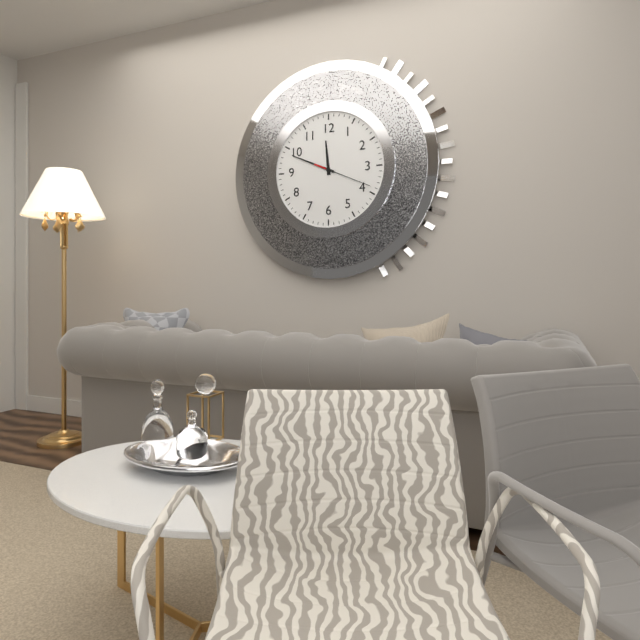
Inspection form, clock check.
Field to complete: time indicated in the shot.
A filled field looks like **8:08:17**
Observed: **11:49:19**
